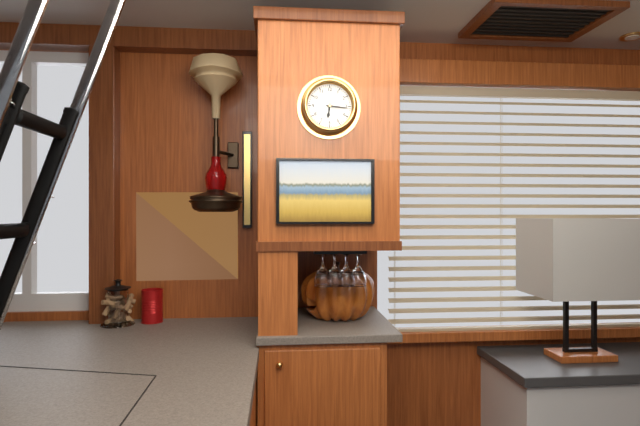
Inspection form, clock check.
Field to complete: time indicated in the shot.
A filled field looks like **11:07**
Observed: **6:16**
